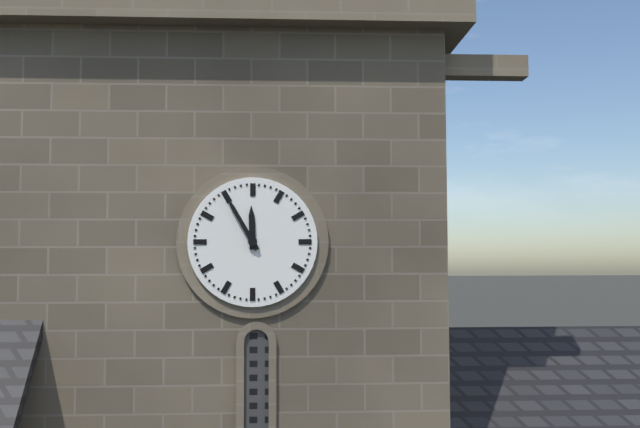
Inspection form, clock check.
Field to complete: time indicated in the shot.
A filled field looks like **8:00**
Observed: **11:55**
